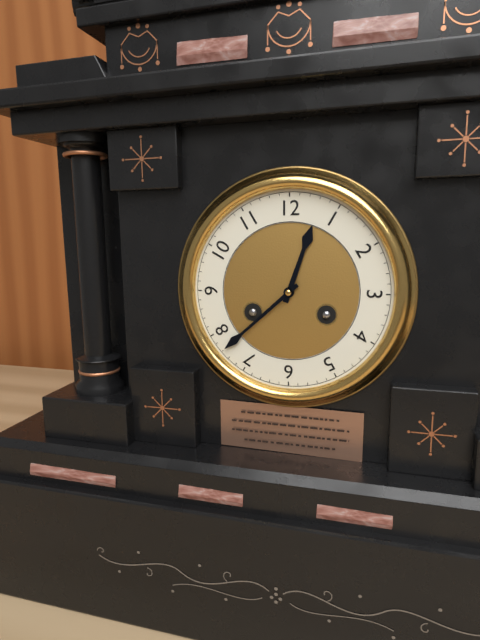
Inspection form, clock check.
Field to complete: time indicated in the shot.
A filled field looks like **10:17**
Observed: **12:38**
